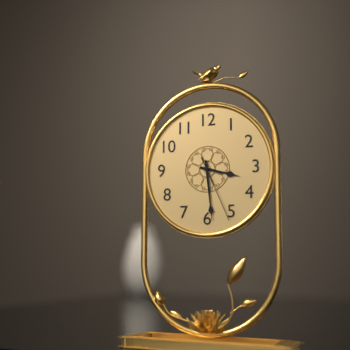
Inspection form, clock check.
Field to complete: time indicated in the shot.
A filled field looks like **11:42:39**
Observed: **3:29:26**
